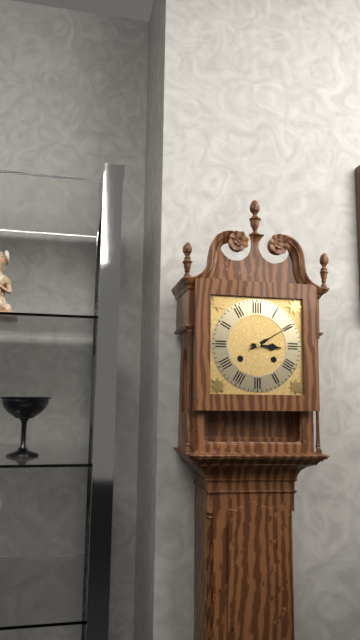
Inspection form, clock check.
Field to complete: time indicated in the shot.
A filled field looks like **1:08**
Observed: **3:10**
